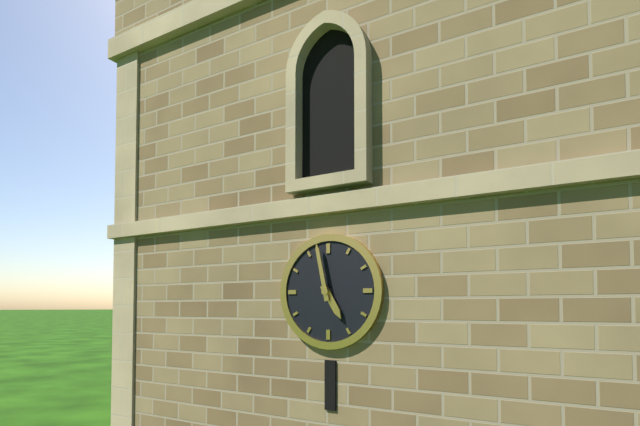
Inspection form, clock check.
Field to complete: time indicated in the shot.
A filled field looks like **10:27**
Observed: **4:58**
